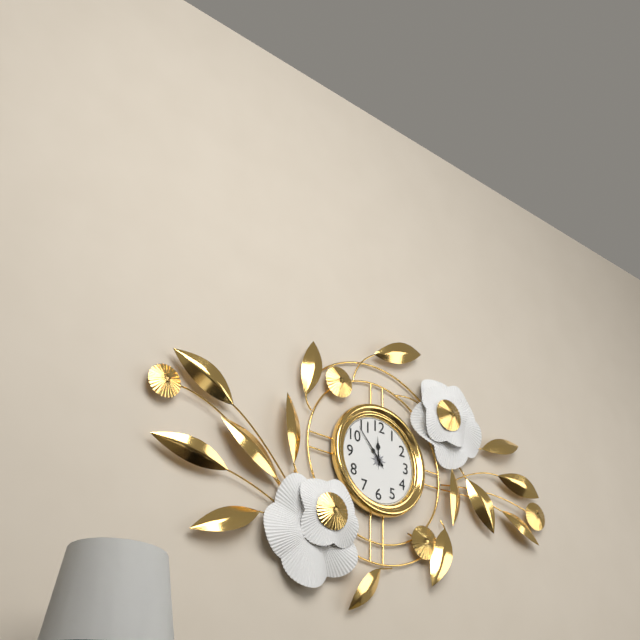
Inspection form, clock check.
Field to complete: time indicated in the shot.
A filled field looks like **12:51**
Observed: **11:53**
